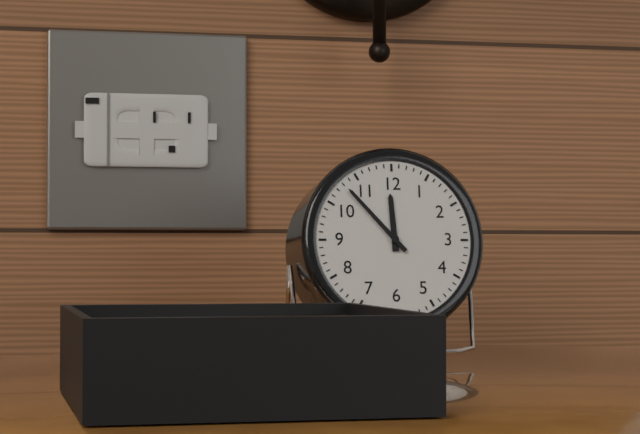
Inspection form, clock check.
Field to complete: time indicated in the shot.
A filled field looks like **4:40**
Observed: **11:53**
